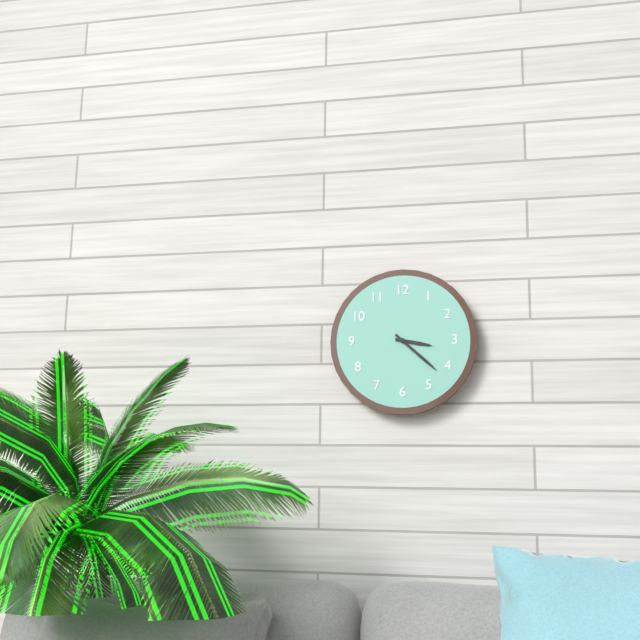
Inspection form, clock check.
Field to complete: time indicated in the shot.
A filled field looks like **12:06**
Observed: **3:22**
